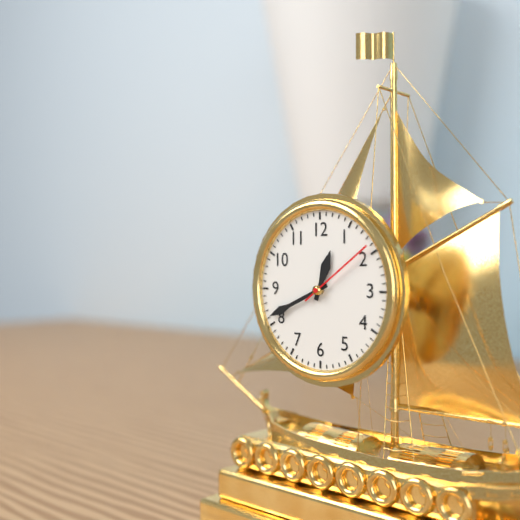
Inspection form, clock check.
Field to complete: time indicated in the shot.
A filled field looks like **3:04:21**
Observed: **12:41:09**
